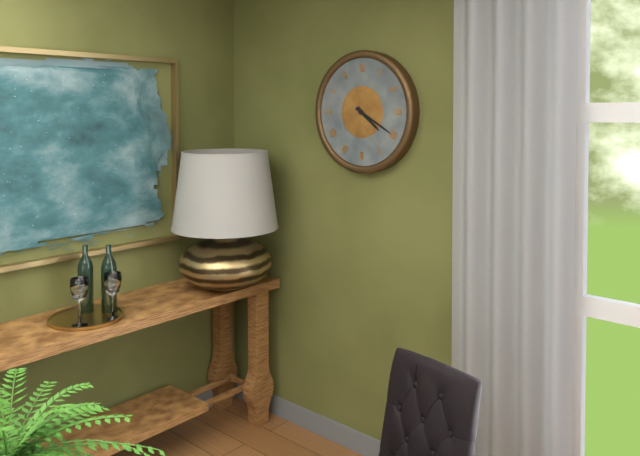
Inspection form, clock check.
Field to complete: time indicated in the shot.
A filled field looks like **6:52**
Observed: **4:20**
